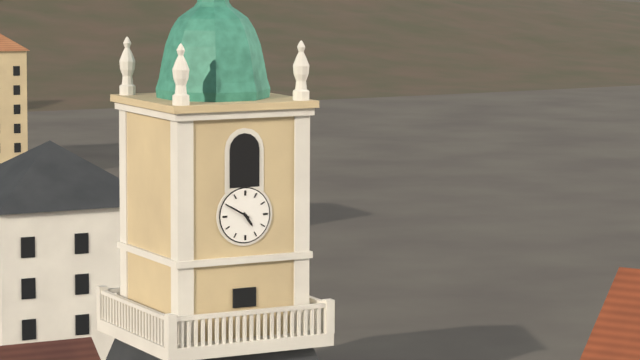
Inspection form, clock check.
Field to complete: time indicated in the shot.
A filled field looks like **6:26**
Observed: **4:50**
